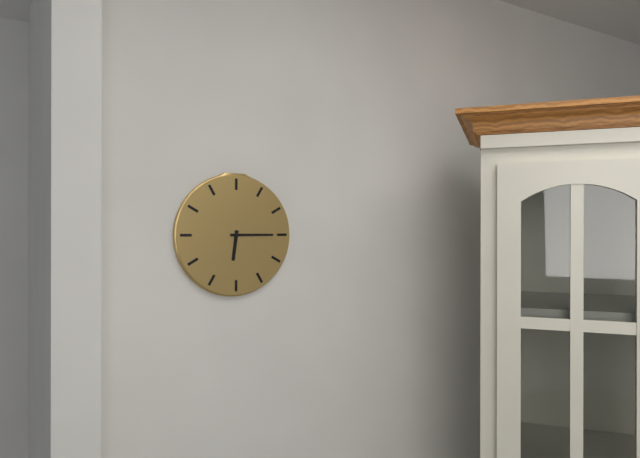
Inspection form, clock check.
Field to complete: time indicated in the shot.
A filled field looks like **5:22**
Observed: **6:15**
